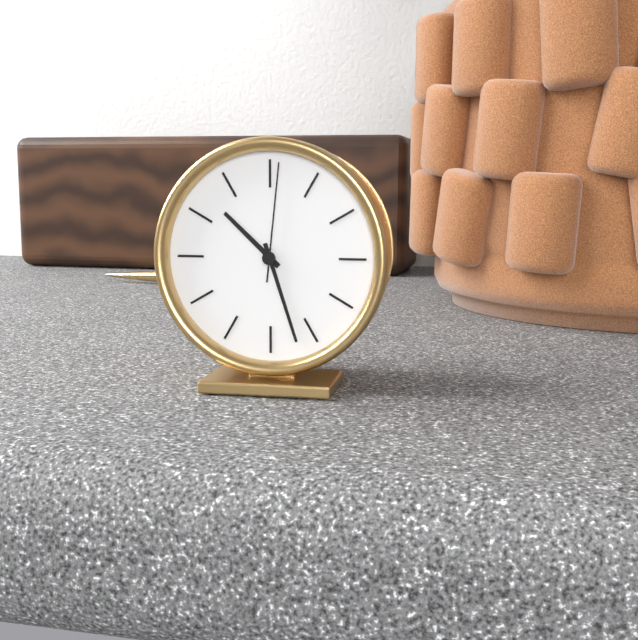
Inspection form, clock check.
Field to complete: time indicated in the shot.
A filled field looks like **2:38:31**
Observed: **10:27:01**
